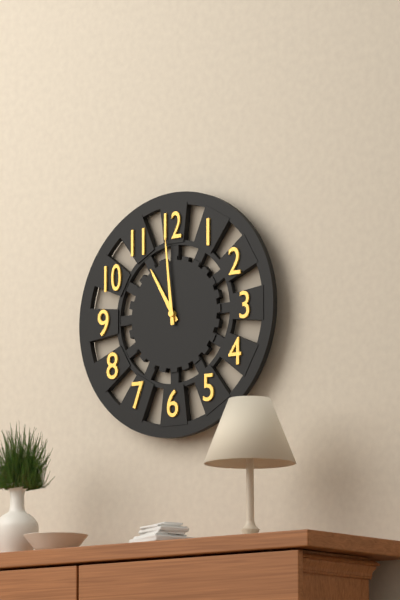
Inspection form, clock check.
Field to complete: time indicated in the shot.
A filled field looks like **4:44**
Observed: **10:59**
